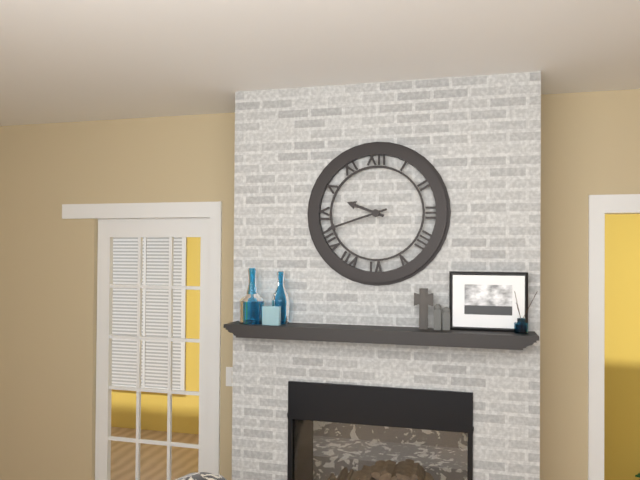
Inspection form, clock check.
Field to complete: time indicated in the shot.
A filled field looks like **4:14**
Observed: **9:42**
